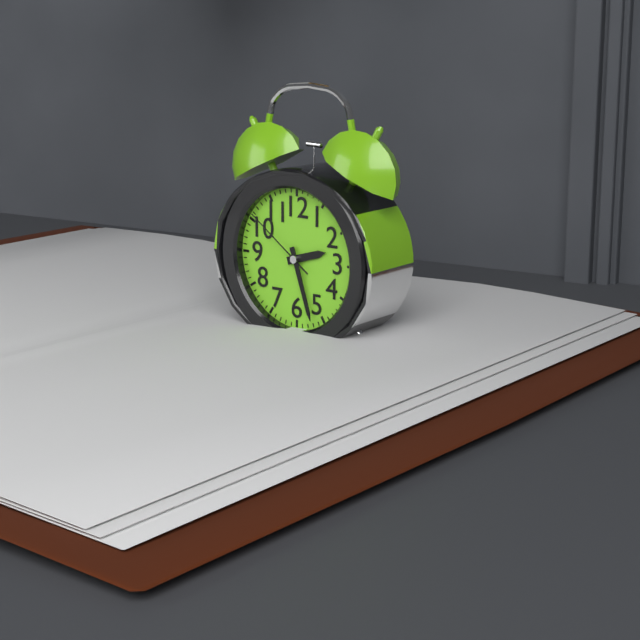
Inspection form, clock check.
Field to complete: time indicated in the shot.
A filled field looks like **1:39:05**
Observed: **2:27:51**
